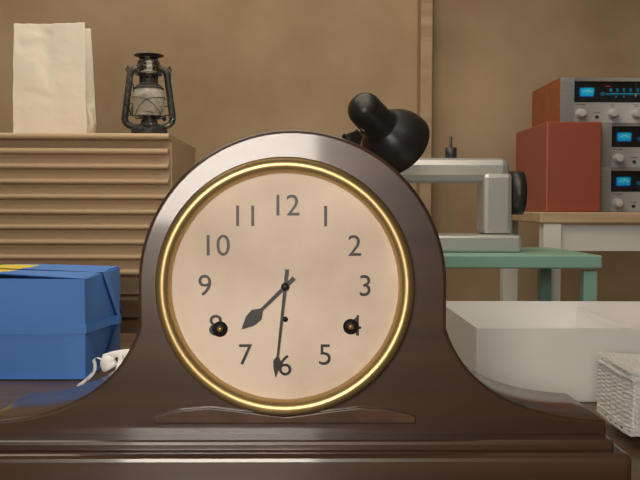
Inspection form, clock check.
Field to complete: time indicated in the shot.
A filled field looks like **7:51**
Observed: **7:31**
